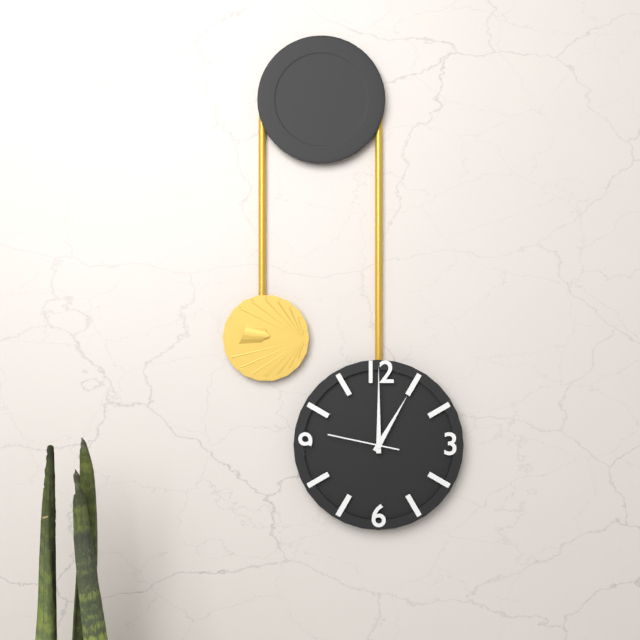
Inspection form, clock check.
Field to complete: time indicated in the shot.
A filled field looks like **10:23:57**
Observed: **1:00:47**
